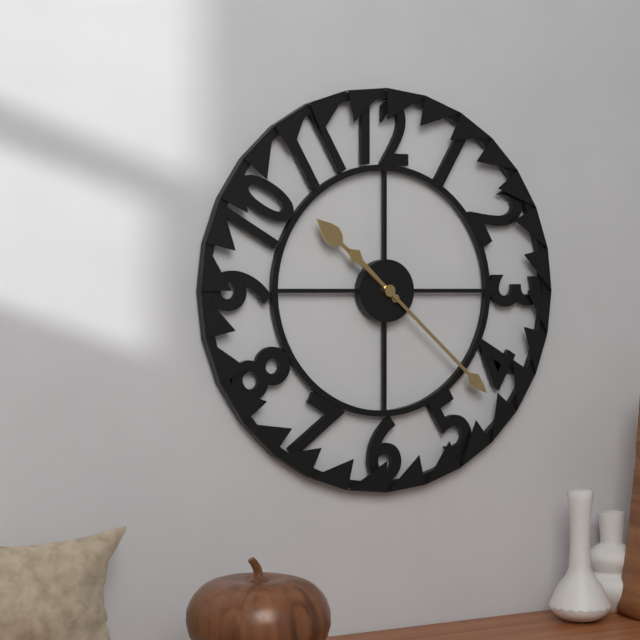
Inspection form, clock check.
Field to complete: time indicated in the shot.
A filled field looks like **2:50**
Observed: **10:22**
